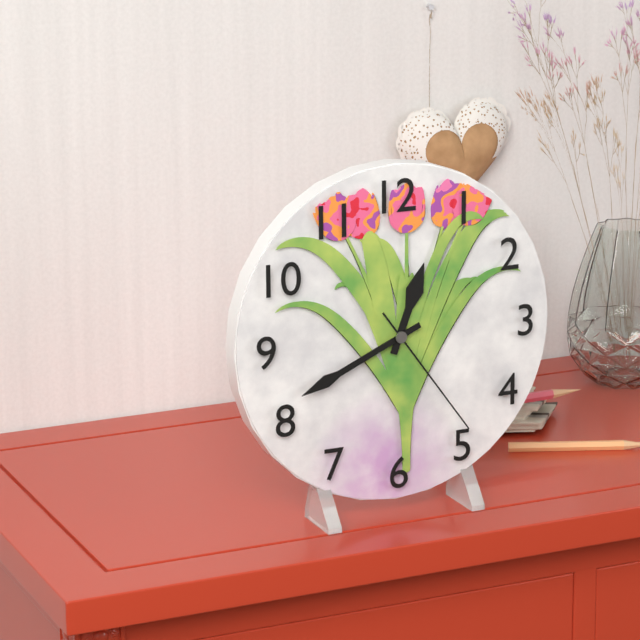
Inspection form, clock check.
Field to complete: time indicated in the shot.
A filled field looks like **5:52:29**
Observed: **12:41:24**
